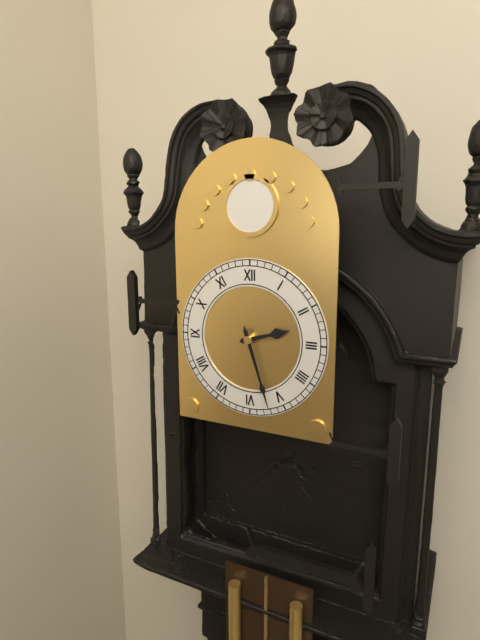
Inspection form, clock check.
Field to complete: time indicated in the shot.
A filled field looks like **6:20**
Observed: **2:27**
